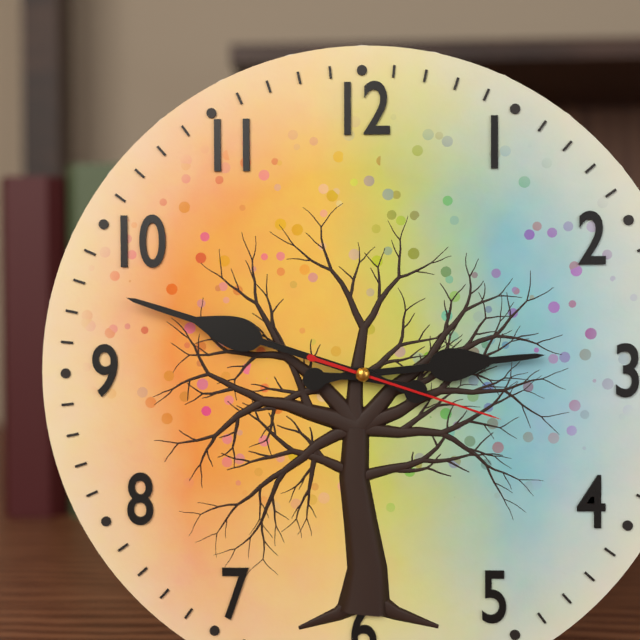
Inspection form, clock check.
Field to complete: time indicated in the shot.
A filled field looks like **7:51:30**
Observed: **2:48:18**
